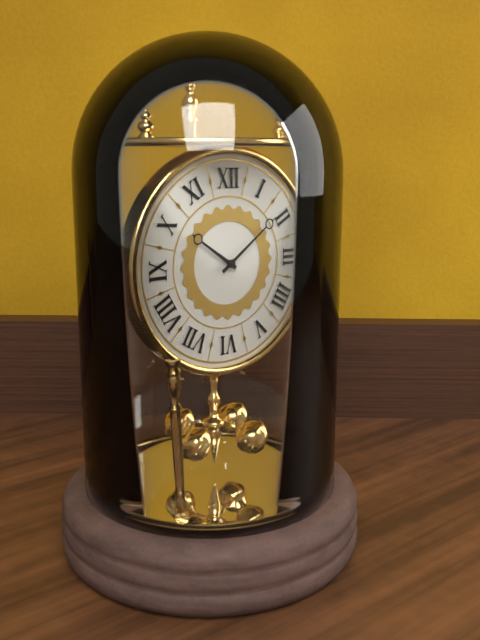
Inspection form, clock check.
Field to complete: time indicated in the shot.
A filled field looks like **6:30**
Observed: **10:09**
